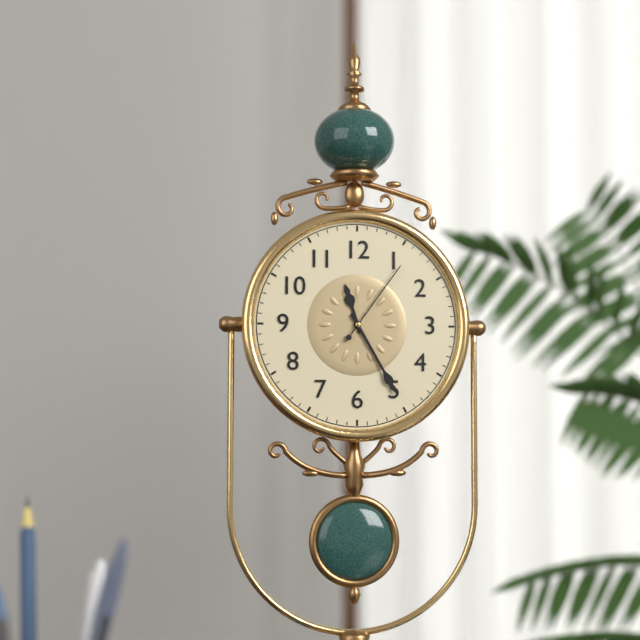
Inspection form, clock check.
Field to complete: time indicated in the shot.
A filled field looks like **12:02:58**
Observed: **11:25:06**
